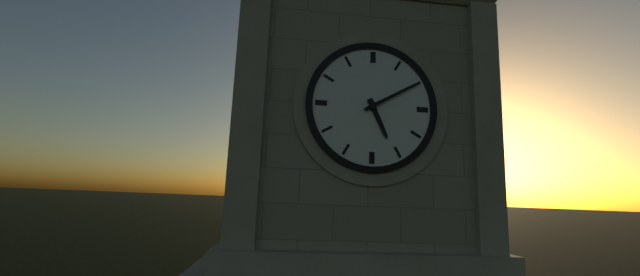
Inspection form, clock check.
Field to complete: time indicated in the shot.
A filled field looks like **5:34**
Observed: **5:10**
